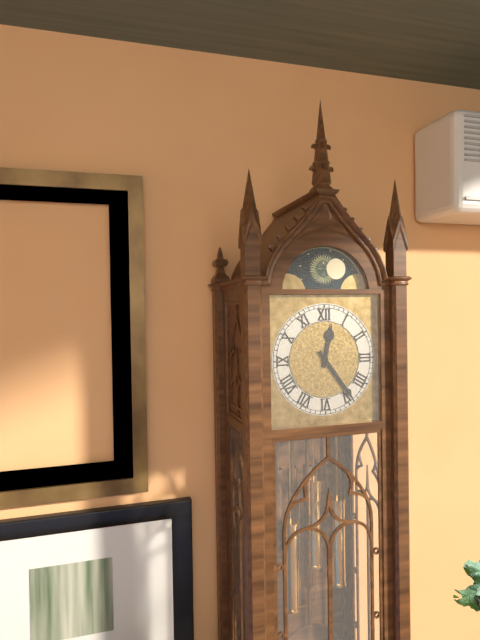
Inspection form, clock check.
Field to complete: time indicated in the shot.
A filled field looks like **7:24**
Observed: **12:24**
